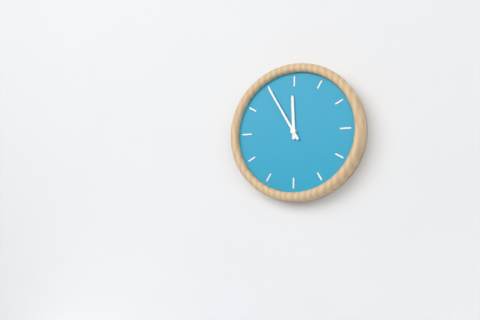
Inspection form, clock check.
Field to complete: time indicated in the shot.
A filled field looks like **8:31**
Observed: **11:55**
